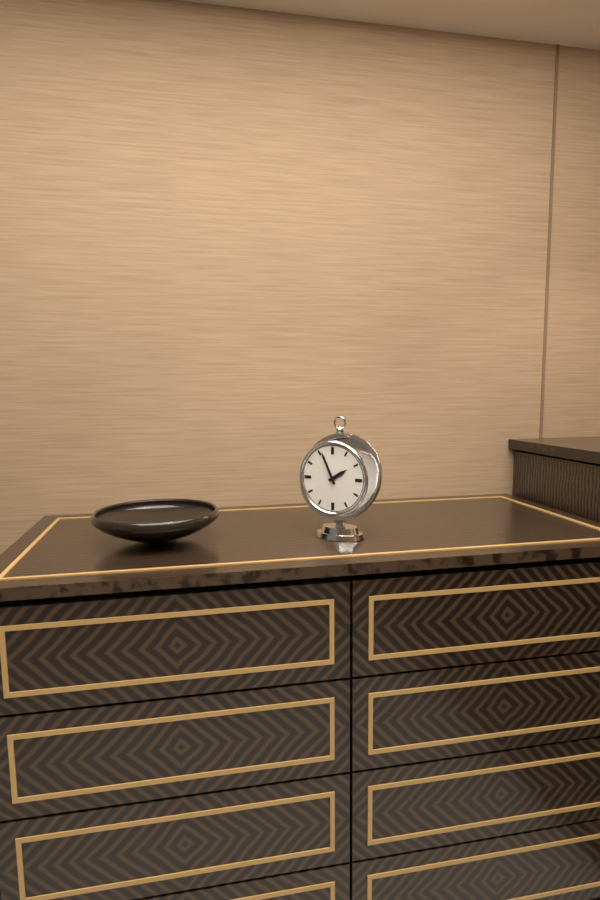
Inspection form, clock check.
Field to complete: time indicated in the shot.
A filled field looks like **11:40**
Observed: **1:56**
